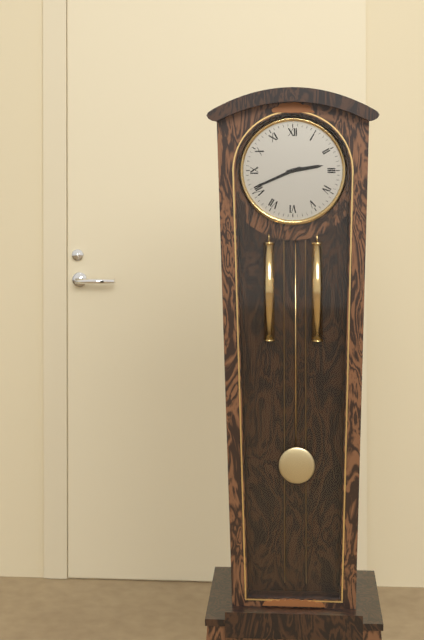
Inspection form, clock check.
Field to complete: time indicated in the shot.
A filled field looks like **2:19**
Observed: **2:41**
